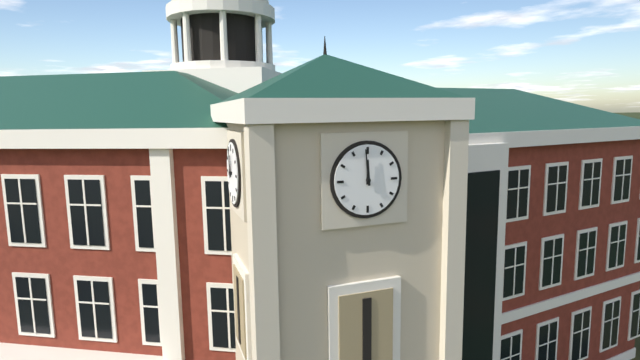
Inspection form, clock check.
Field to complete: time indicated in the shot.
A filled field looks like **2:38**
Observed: **11:59**
